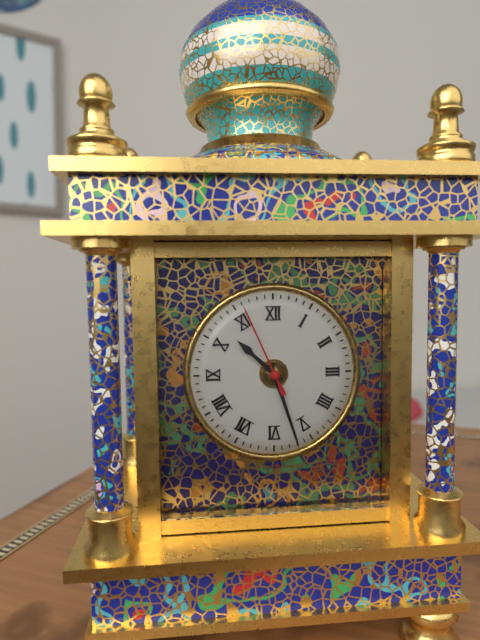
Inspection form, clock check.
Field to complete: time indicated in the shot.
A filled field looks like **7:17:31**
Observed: **10:27:56**
